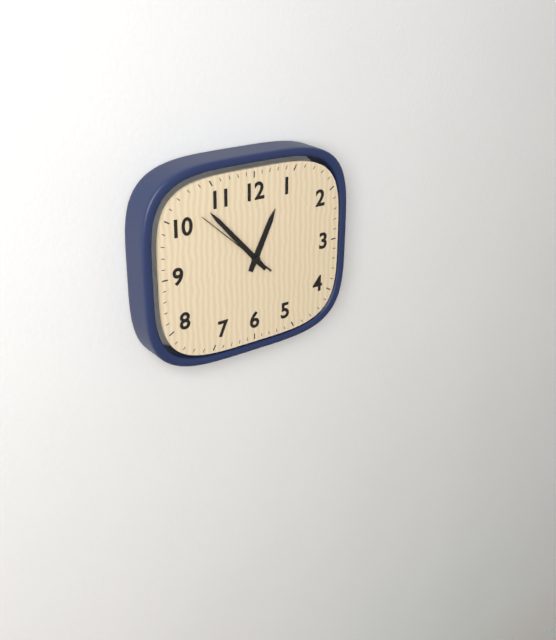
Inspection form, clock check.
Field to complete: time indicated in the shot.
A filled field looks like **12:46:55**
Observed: **12:53:52**
